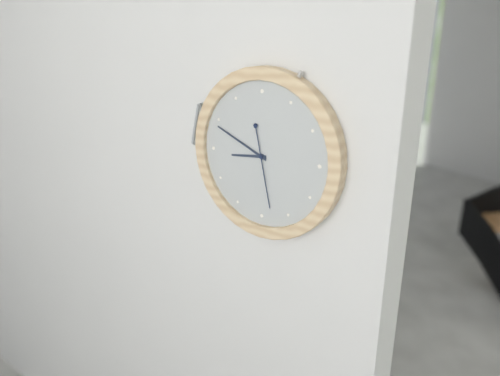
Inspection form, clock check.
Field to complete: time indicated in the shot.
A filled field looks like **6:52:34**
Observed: **8:49:28**
